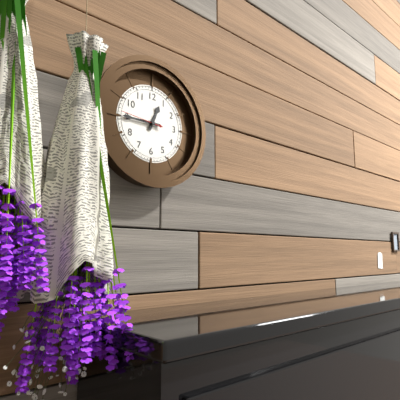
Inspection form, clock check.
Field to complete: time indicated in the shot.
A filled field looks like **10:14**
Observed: **12:45**
